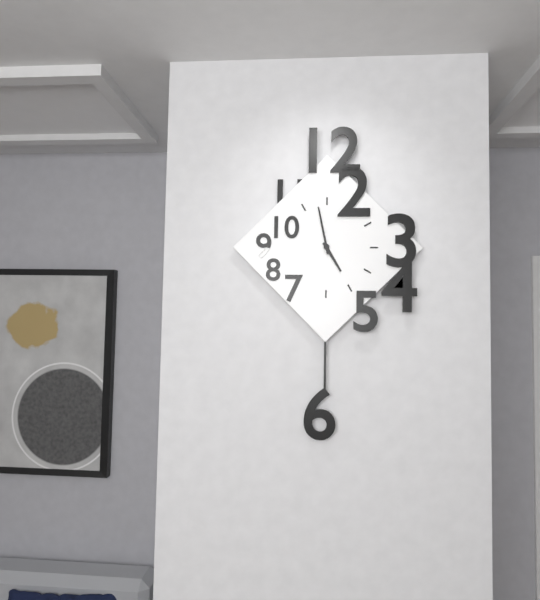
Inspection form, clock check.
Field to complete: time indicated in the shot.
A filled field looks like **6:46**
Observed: **4:58**
